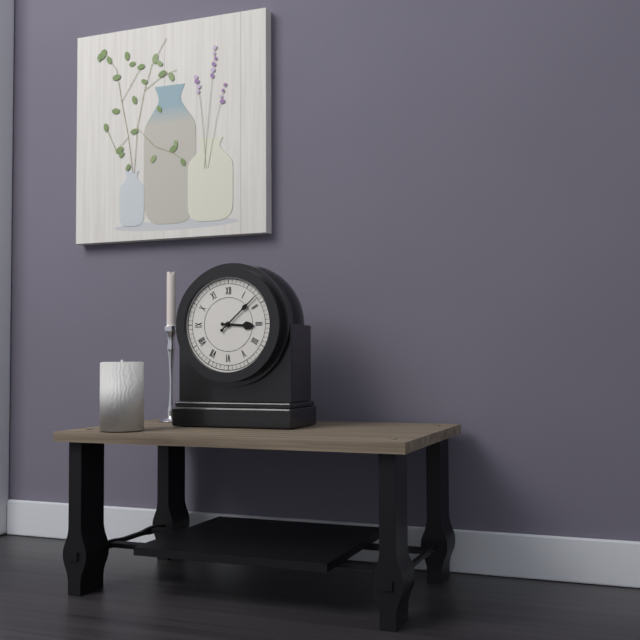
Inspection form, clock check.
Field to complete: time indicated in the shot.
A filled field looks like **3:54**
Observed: **3:08**
